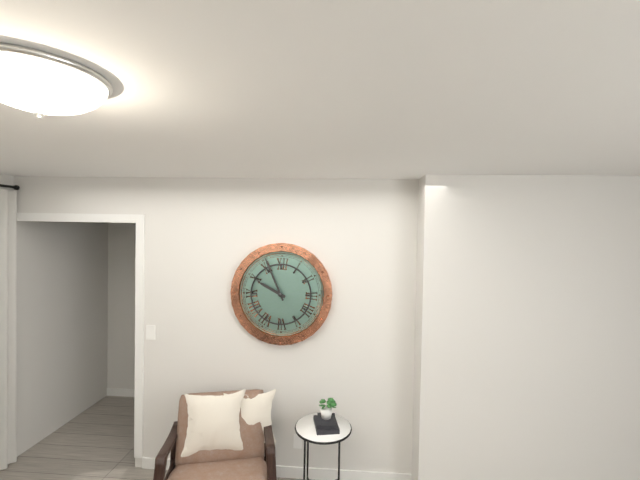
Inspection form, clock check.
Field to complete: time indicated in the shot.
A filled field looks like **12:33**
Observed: **9:56**
